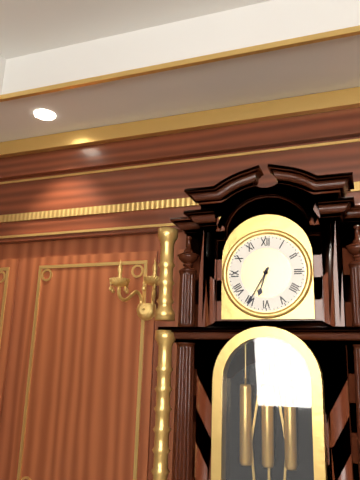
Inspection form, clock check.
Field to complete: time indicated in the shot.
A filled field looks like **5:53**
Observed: **6:35**
